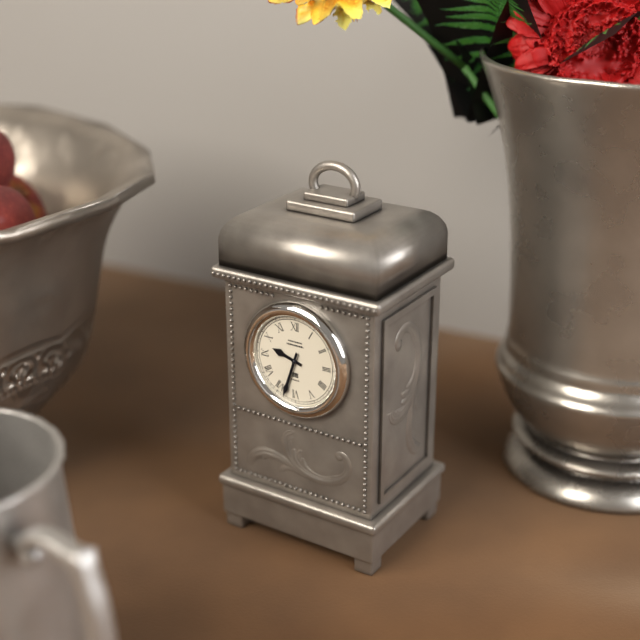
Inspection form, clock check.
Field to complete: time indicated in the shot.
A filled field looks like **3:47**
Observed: **9:33**
